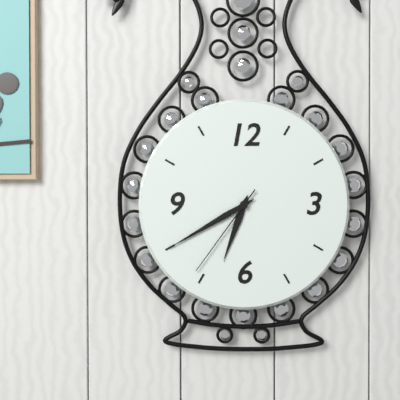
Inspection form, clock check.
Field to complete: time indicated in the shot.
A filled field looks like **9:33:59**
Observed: **6:40:36**
